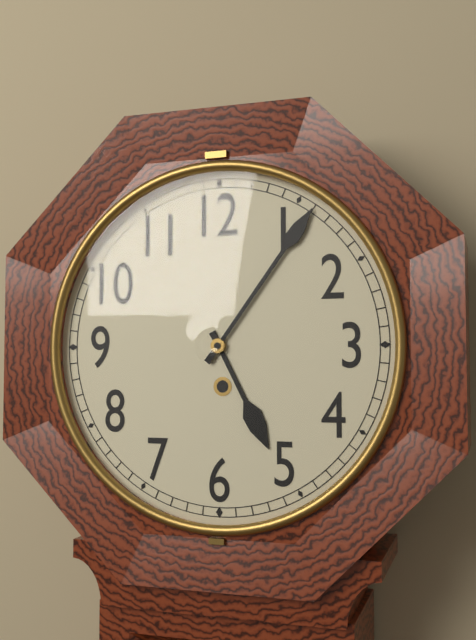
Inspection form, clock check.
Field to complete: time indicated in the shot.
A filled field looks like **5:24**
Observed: **5:06**
